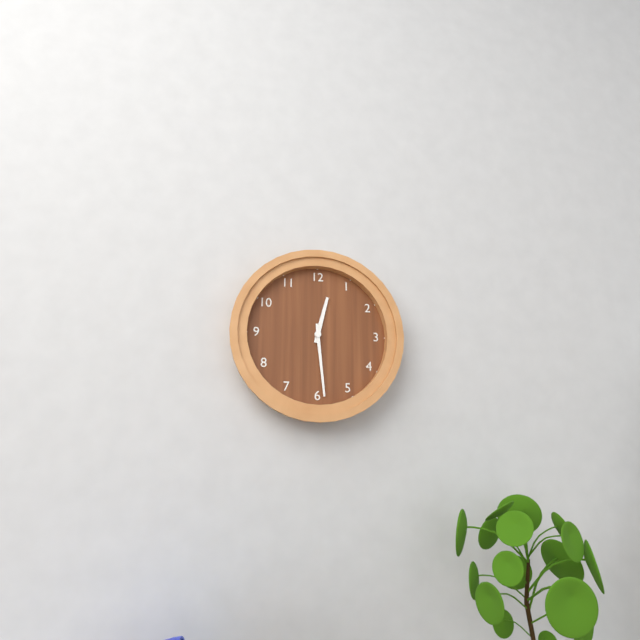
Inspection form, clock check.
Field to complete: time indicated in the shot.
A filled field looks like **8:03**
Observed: **12:29**
